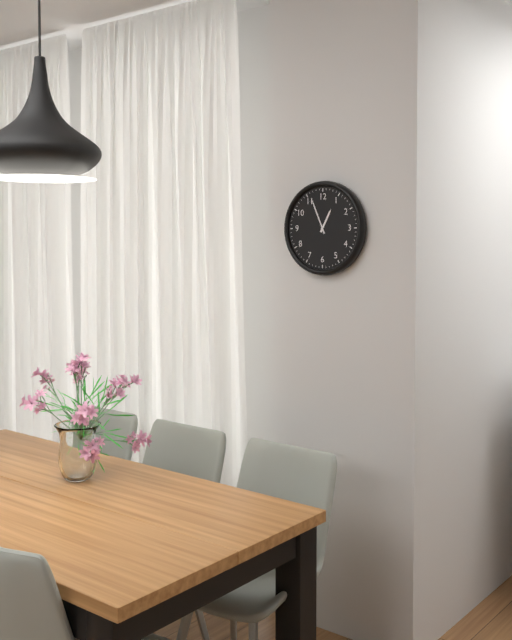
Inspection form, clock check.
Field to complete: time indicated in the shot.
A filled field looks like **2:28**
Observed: **12:56**
